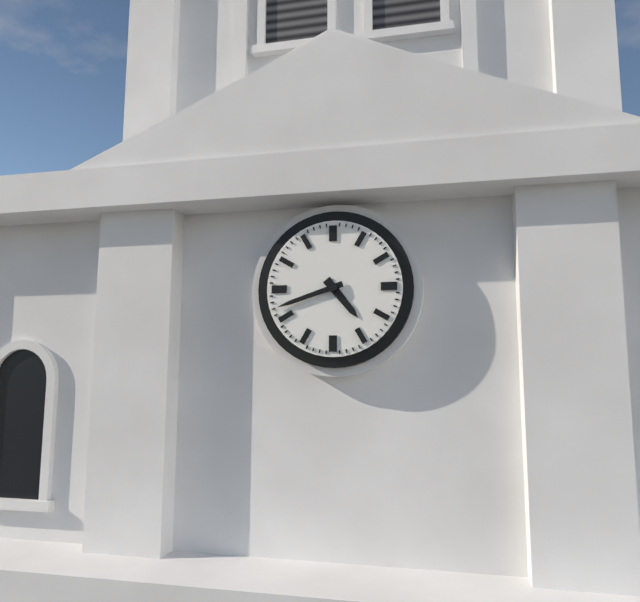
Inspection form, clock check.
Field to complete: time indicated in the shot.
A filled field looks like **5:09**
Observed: **4:42**
